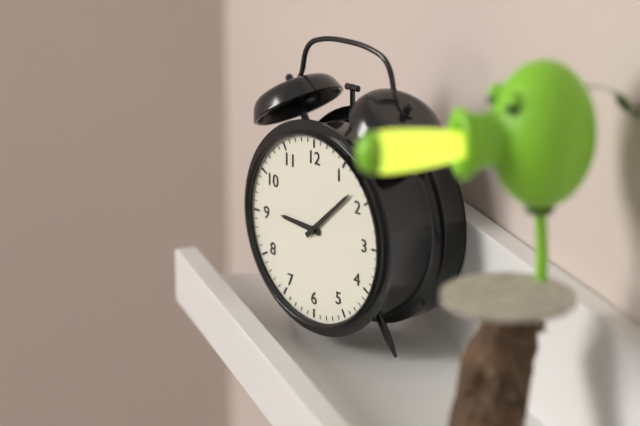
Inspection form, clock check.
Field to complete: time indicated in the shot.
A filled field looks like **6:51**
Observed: **9:08**
